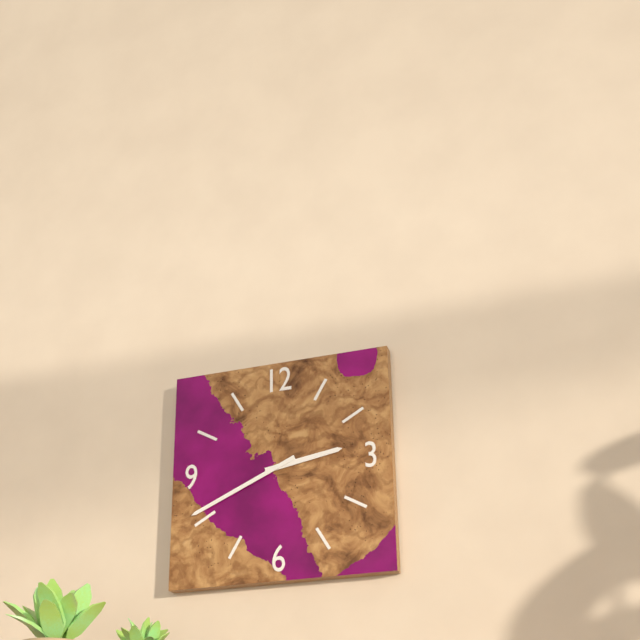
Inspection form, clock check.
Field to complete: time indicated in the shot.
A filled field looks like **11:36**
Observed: **2:41**
